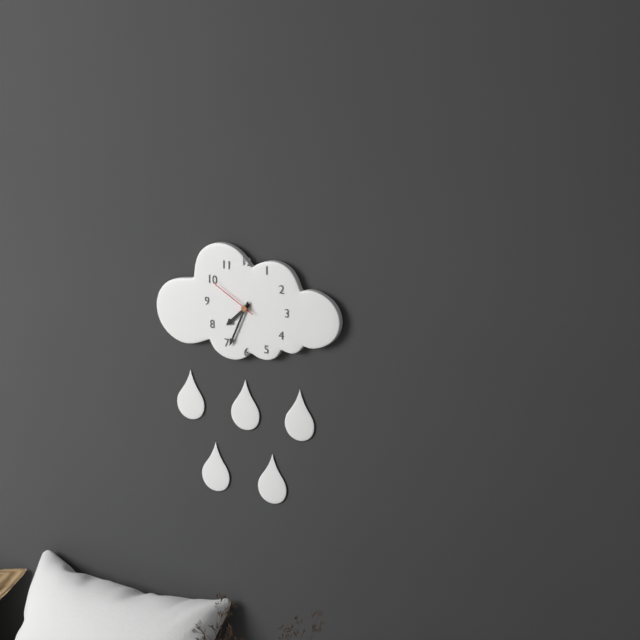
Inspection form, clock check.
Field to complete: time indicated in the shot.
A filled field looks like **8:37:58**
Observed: **7:34:50**
